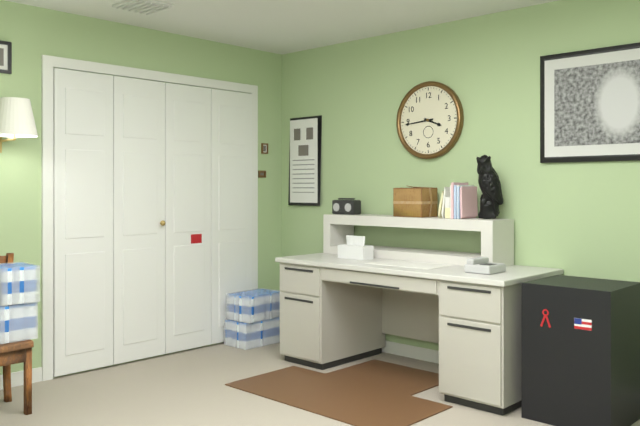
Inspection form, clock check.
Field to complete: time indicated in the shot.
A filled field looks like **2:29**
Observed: **3:44**
